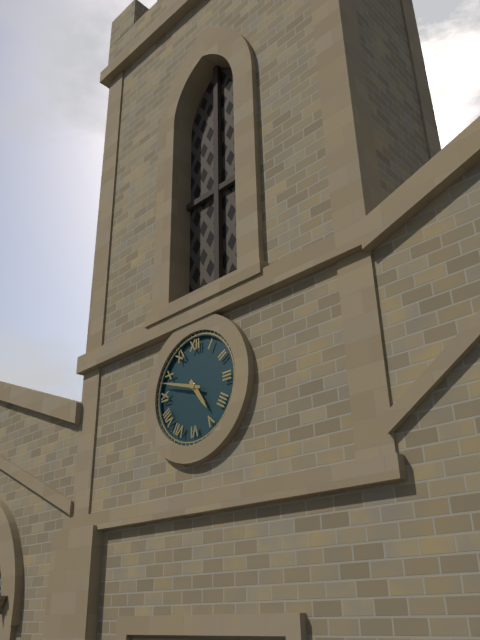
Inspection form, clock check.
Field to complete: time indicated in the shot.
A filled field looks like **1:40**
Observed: **4:48**
